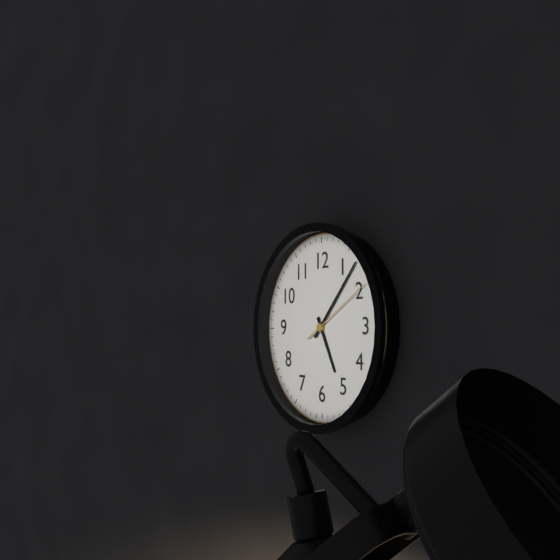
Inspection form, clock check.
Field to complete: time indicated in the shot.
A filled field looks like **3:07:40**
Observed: **5:07:10**
